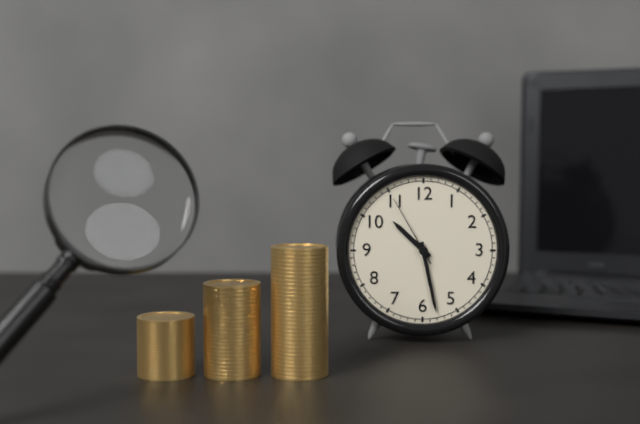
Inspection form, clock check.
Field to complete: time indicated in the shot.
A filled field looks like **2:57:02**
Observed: **10:28:55**
